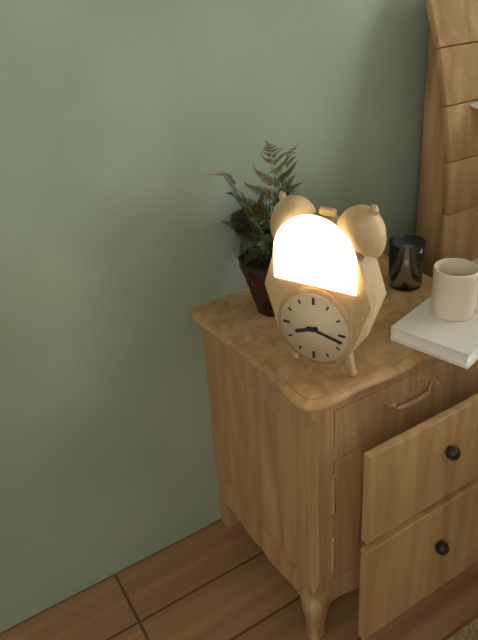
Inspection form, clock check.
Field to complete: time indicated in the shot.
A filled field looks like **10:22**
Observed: **8:17**
